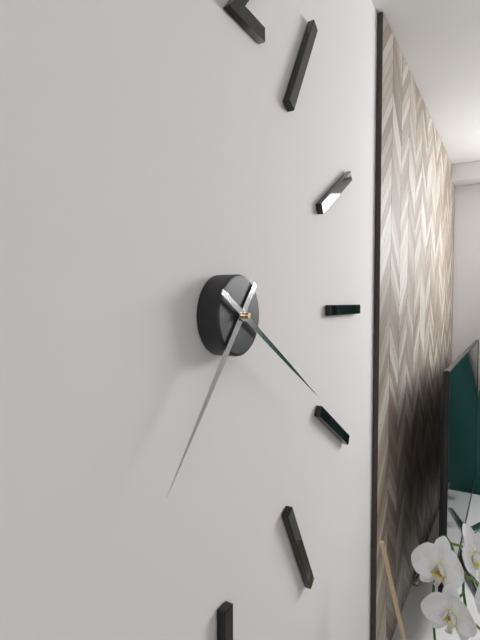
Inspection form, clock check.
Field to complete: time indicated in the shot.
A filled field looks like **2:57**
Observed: **7:20**
